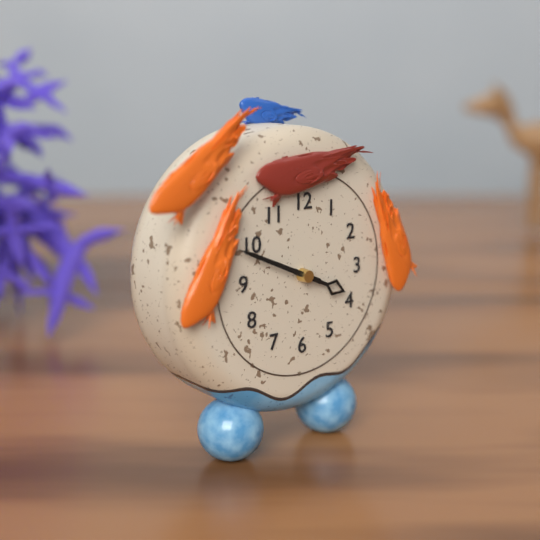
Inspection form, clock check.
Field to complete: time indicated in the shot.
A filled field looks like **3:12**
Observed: **3:49**
